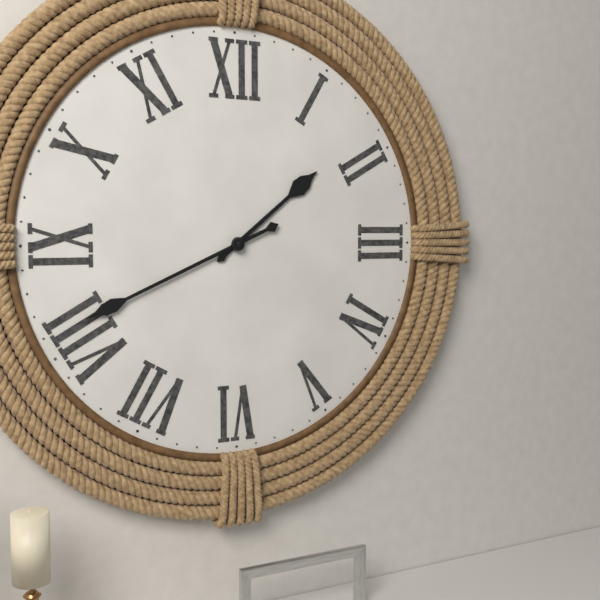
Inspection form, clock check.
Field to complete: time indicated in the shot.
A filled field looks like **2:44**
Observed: **1:41**
